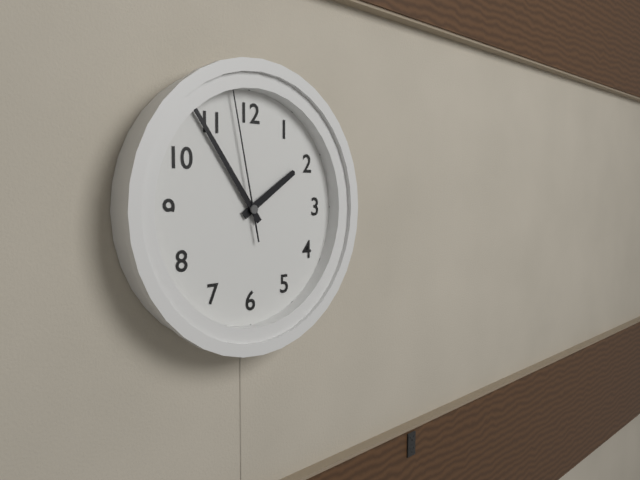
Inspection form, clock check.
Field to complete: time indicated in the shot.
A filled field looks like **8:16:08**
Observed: **1:54:58**
